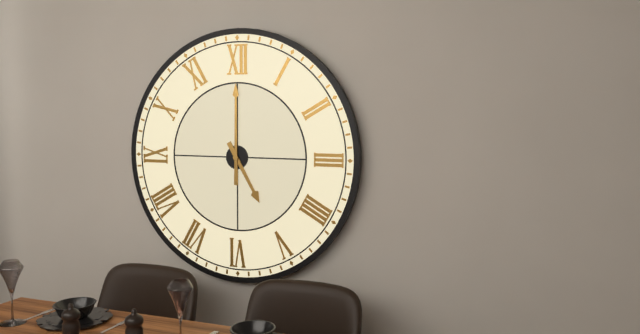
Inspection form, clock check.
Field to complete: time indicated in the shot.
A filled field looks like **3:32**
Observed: **5:00**
